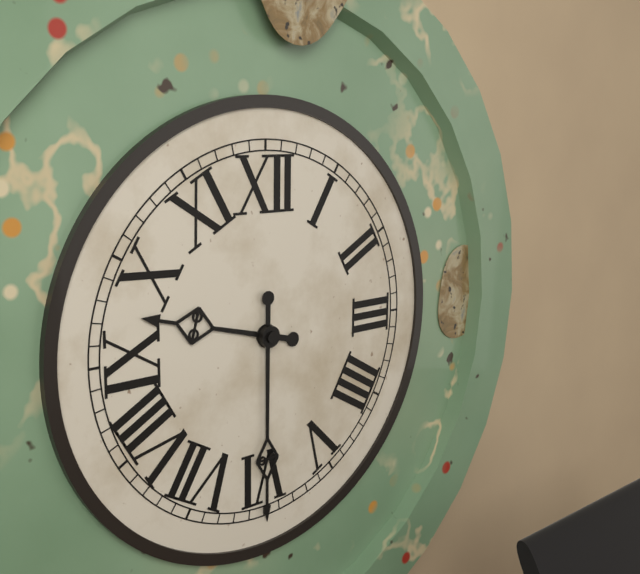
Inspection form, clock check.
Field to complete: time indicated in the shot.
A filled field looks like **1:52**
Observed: **9:30**
